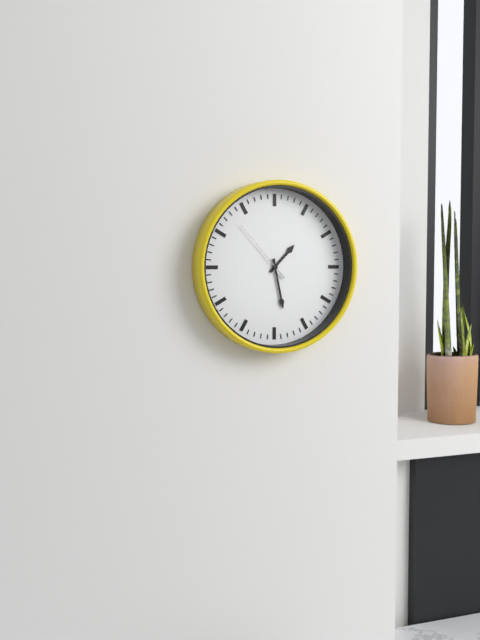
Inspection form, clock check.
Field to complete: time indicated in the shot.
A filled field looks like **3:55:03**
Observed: **1:28:53**
